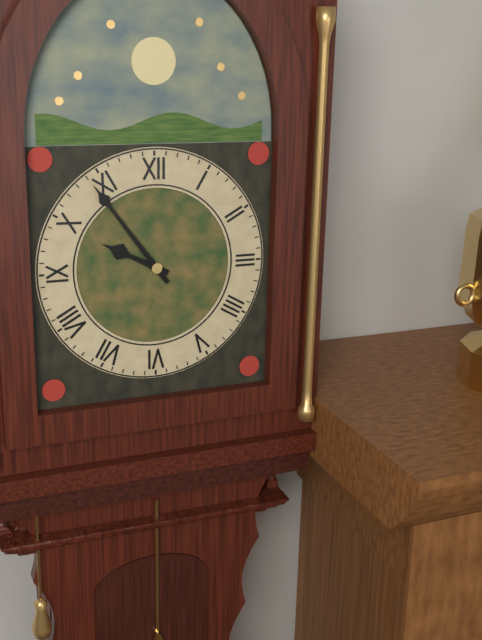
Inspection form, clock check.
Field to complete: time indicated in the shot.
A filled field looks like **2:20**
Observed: **9:54**
